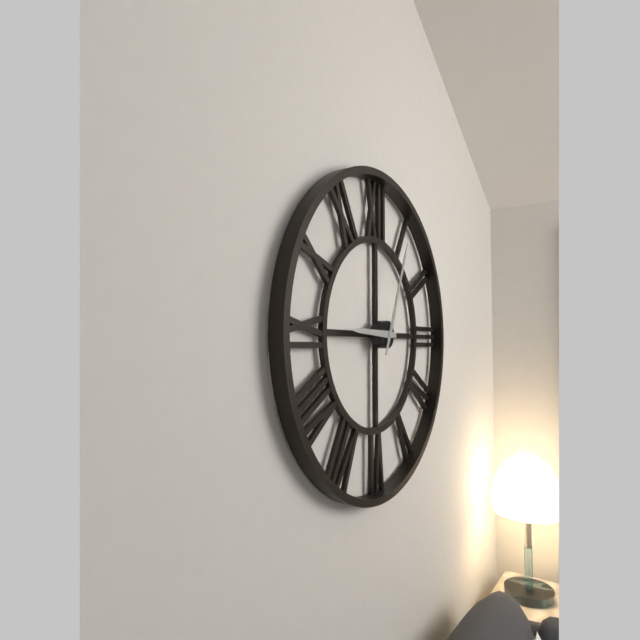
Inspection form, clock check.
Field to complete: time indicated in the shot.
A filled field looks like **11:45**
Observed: **9:04**
